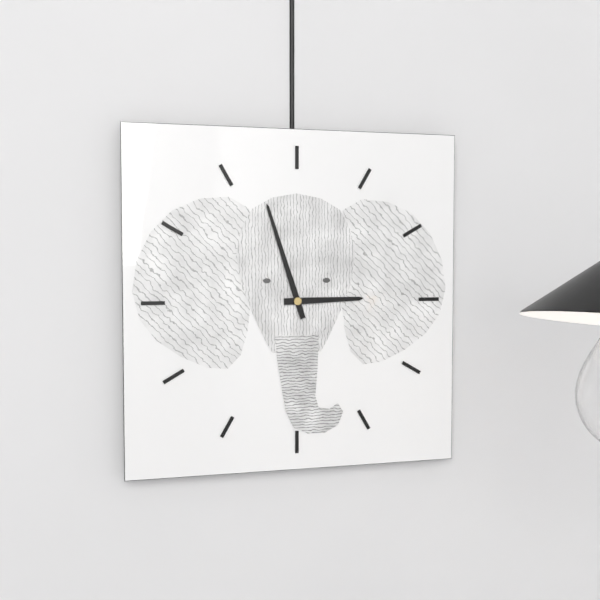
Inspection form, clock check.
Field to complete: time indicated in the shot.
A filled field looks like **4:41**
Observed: **2:57**
